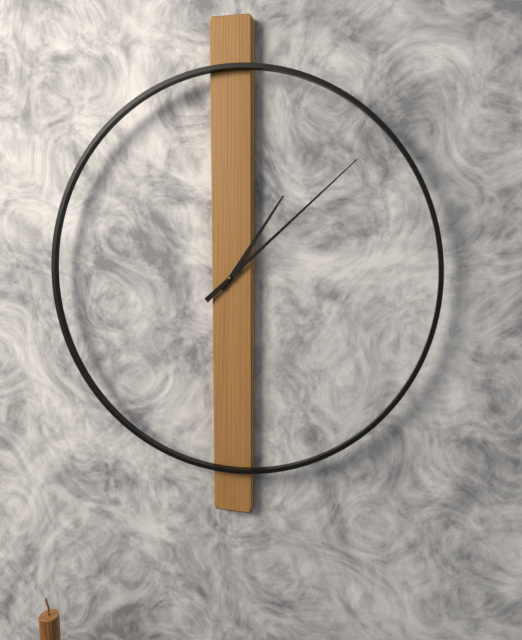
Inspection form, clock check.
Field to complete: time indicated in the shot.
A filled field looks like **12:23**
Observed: **1:08**
